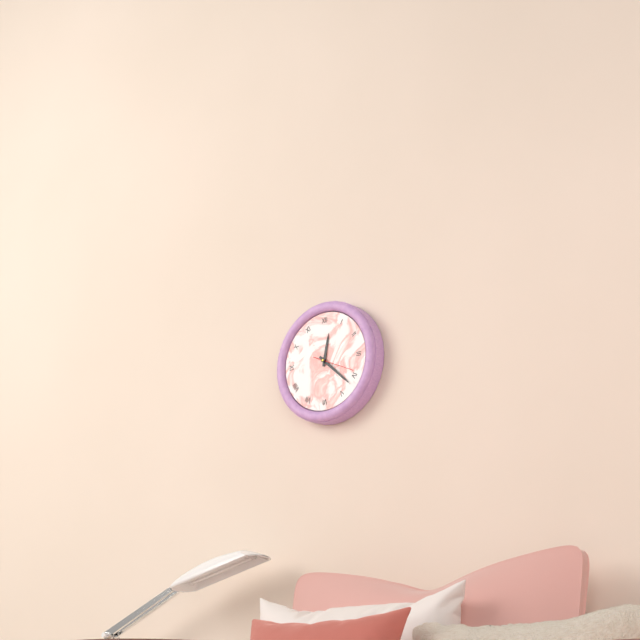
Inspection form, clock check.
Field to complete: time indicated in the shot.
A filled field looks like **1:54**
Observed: **12:22**
